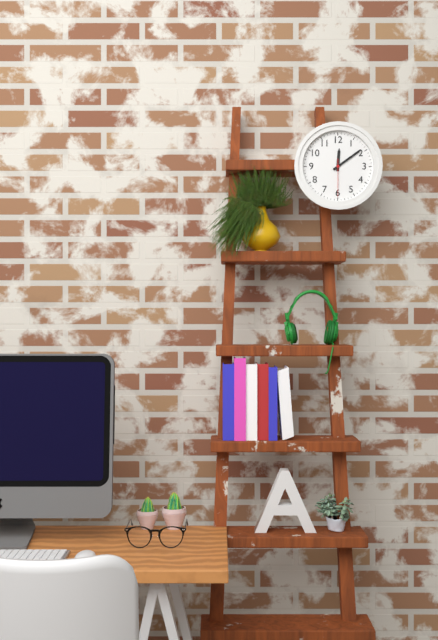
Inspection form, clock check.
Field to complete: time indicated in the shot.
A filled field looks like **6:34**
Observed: **12:09**
